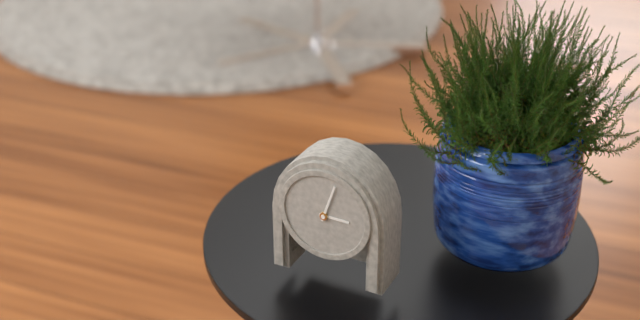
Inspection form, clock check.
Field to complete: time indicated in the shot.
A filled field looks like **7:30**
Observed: **3:03**
